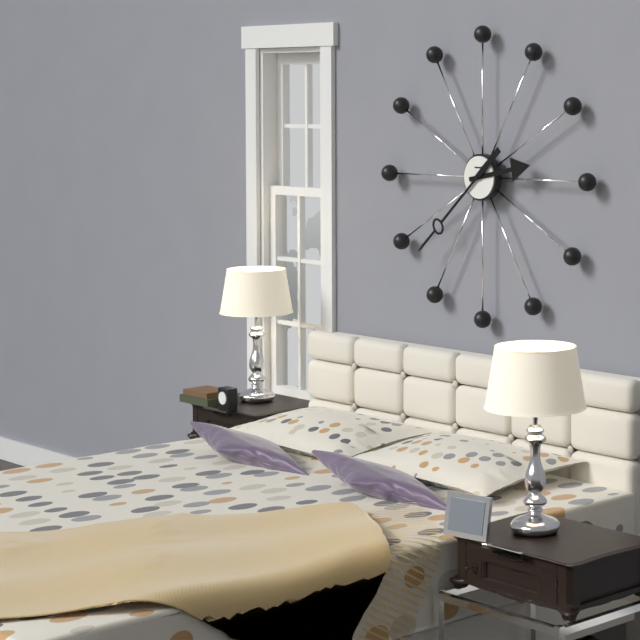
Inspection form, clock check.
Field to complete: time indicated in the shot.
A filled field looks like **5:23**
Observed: **2:38**
